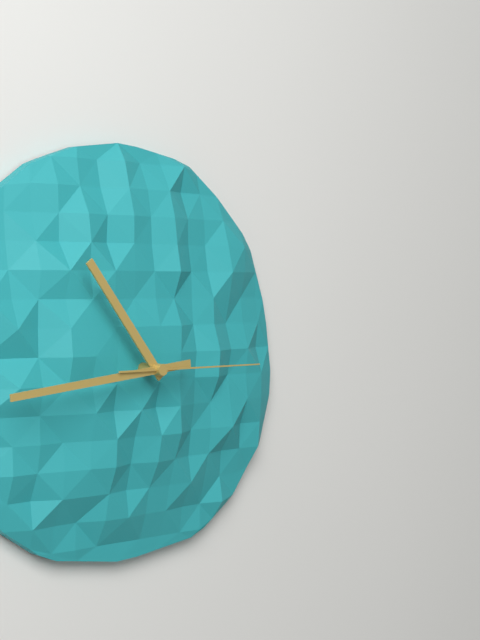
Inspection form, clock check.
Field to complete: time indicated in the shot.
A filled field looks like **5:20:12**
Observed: **10:44:15**
